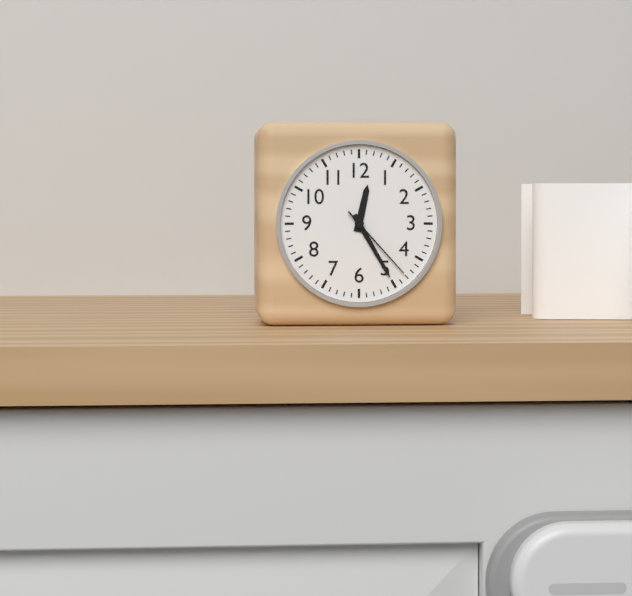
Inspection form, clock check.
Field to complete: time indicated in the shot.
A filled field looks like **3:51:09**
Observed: **12:25:23**
